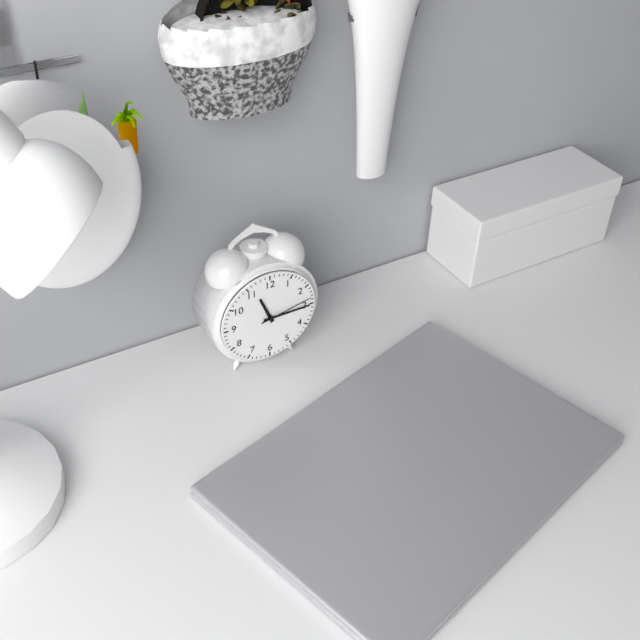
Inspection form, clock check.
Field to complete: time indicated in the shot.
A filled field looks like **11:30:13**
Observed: **11:15:13**
